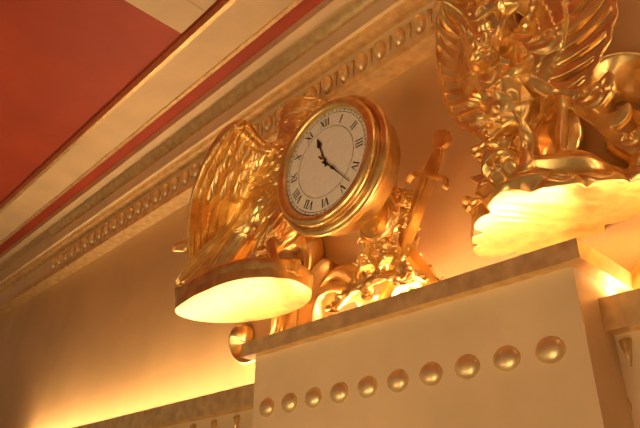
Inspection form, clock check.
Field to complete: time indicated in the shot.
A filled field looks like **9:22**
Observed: **11:23**
